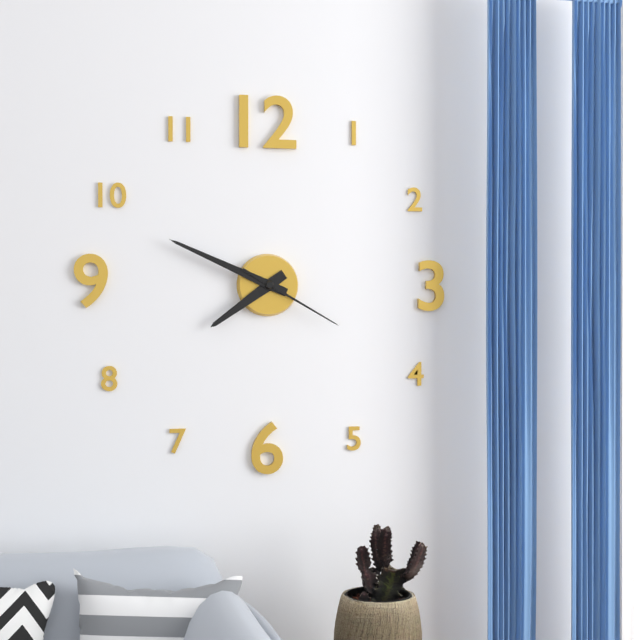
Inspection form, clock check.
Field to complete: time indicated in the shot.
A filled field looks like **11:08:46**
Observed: **7:49:20**
